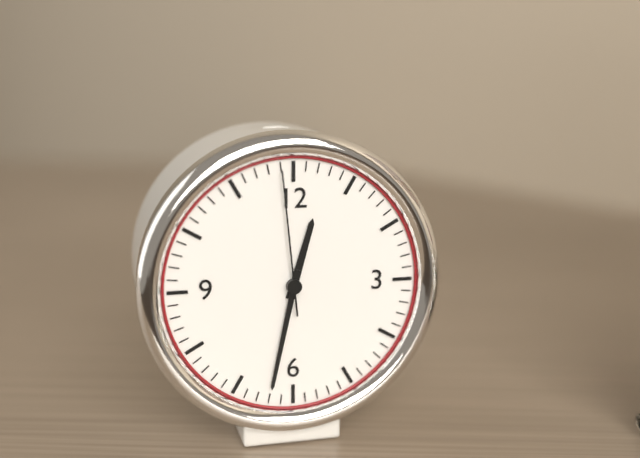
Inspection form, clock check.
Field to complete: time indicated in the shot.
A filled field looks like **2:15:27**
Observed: **12:32:59**
